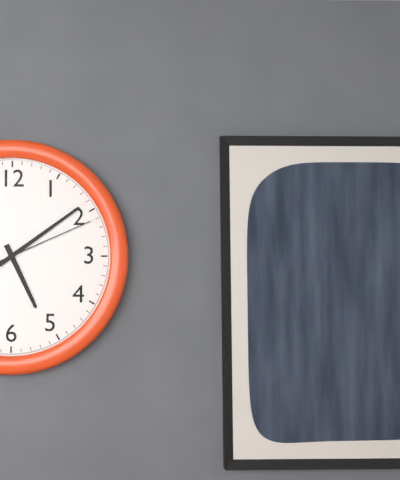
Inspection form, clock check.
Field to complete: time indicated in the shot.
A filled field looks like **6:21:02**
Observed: **5:09:11**
